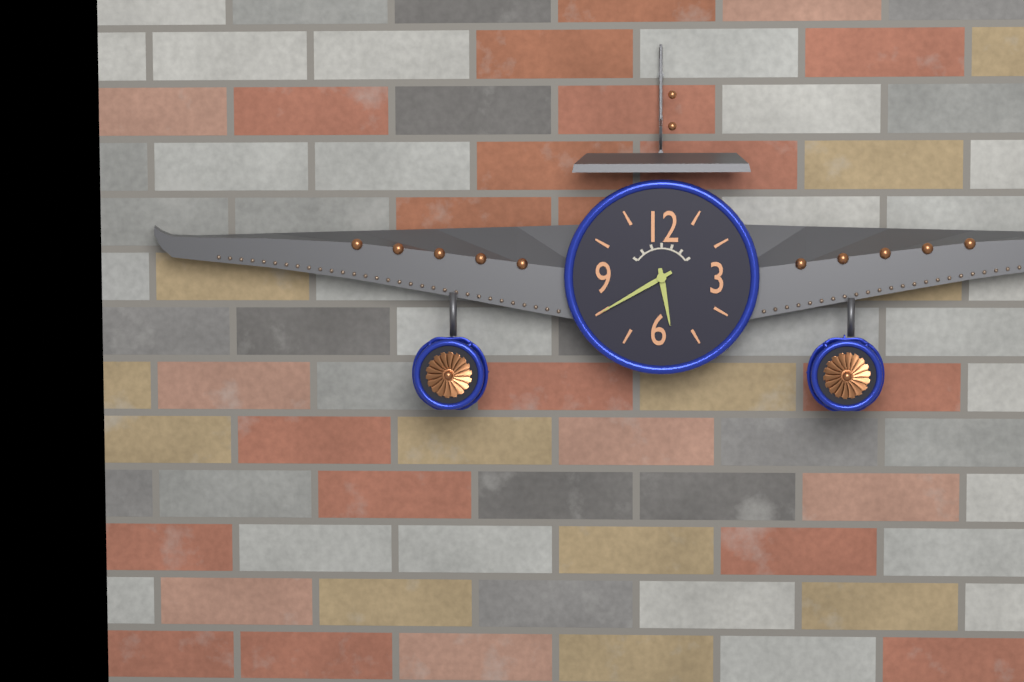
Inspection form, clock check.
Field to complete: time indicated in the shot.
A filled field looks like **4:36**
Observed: **5:40**
